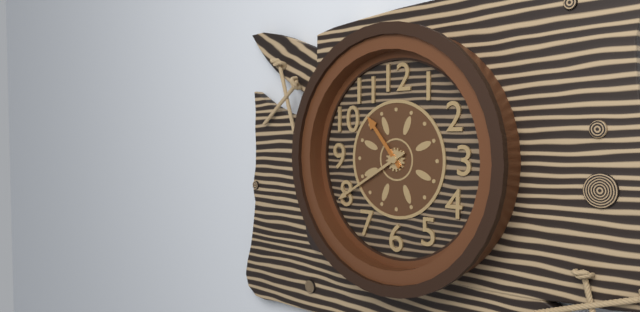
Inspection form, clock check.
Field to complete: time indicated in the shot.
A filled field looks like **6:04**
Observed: **10:40**
